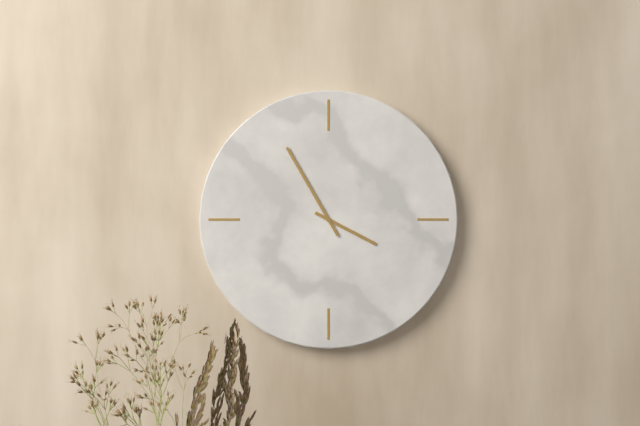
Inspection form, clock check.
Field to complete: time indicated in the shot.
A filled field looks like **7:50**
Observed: **3:55**
